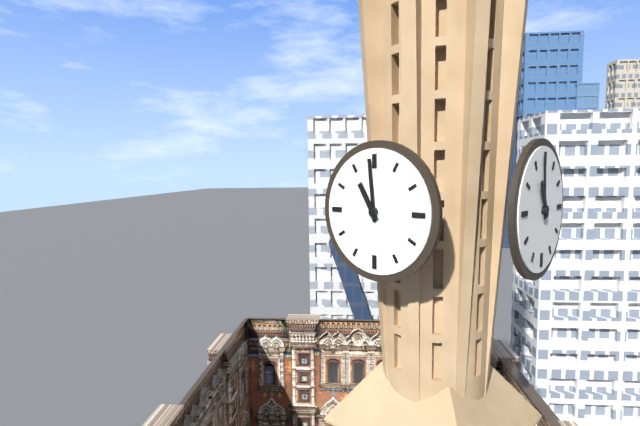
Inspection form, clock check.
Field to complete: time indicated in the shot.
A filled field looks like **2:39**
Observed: **10:59**
